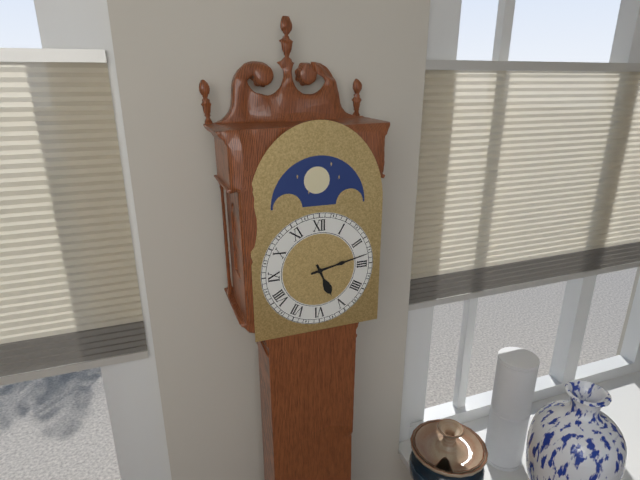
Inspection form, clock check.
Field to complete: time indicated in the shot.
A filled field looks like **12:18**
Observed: **5:13**
